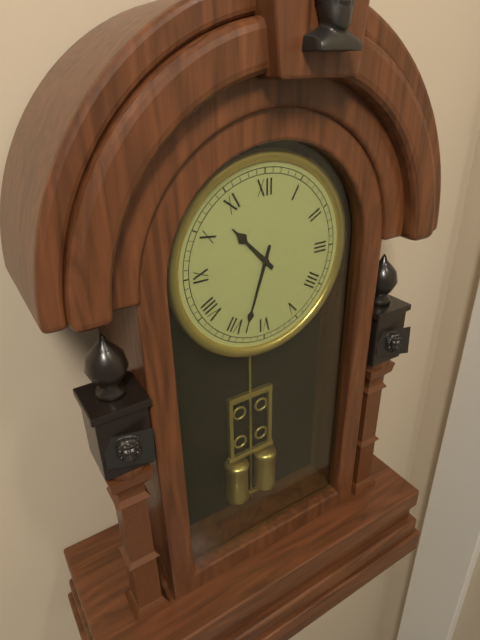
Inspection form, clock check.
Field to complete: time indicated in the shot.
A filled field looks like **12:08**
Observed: **10:33**
